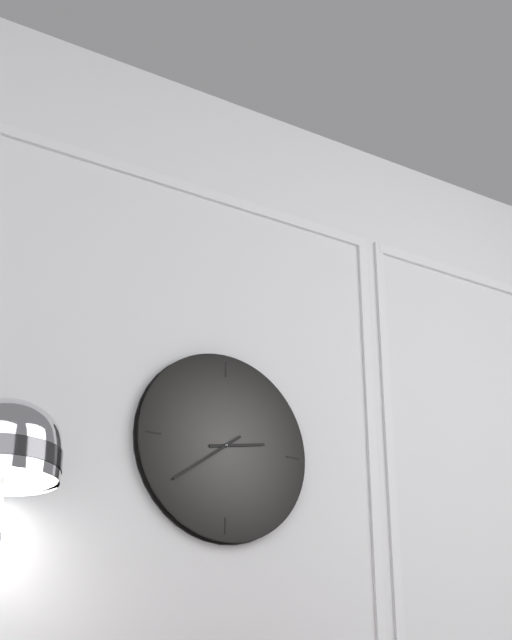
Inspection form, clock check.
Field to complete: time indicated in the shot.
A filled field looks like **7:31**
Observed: **2:39**
